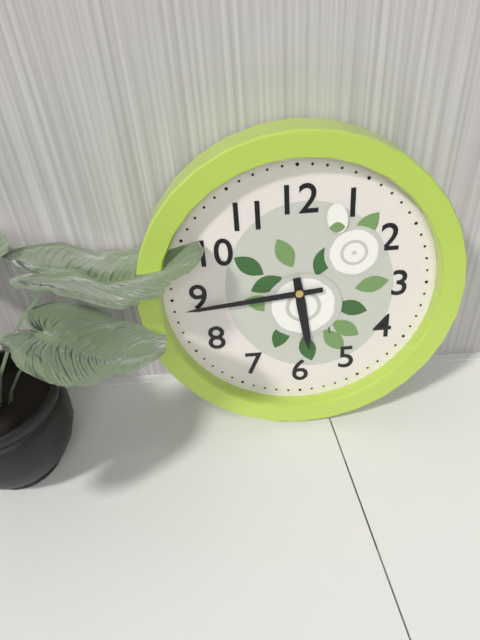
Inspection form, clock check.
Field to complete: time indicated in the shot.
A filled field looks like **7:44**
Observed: **5:44**
